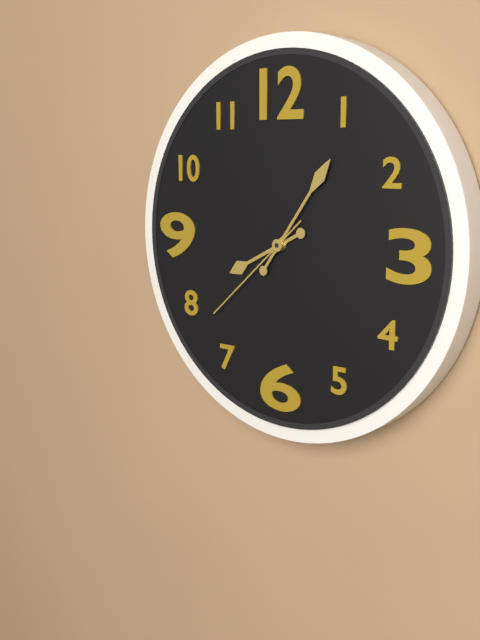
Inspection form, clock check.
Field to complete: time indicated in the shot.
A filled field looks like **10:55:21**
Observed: **8:06:38**
